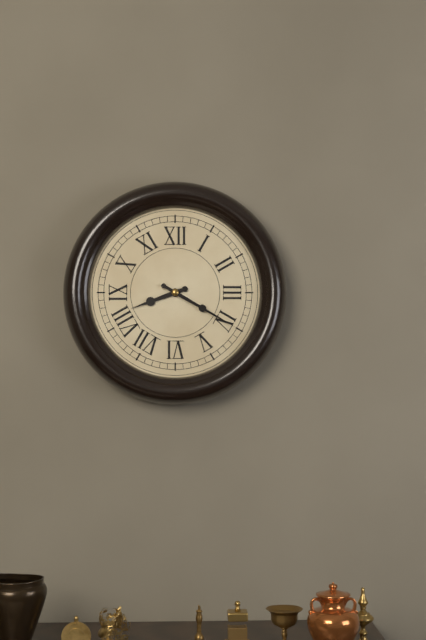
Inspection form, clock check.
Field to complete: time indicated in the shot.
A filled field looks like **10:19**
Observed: **8:20**
